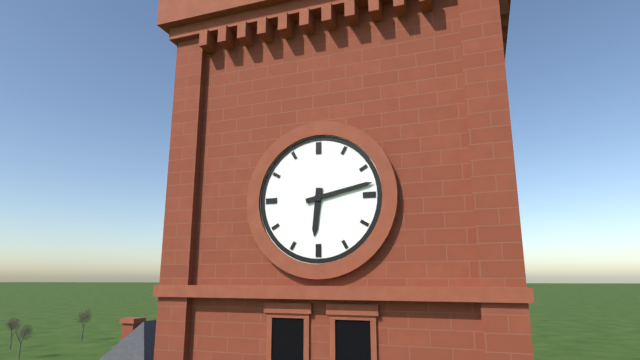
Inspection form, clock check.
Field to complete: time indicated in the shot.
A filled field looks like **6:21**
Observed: **6:13**
